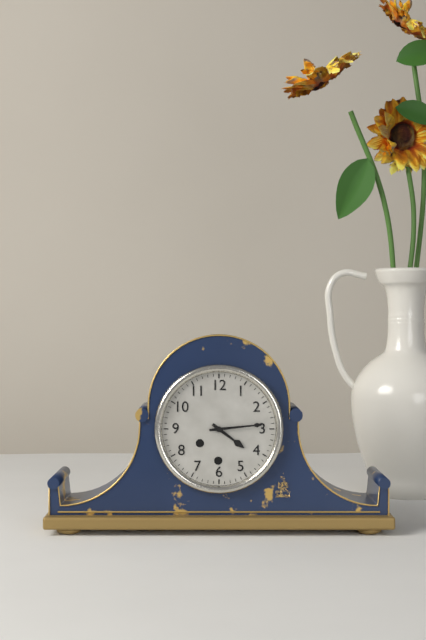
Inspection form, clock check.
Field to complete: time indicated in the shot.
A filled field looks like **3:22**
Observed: **4:14**
